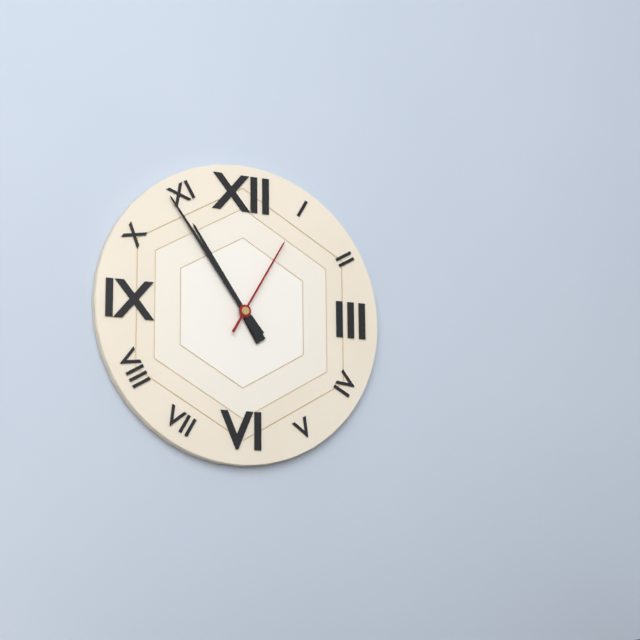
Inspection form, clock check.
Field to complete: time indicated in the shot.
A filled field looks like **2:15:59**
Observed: **10:54:05**
